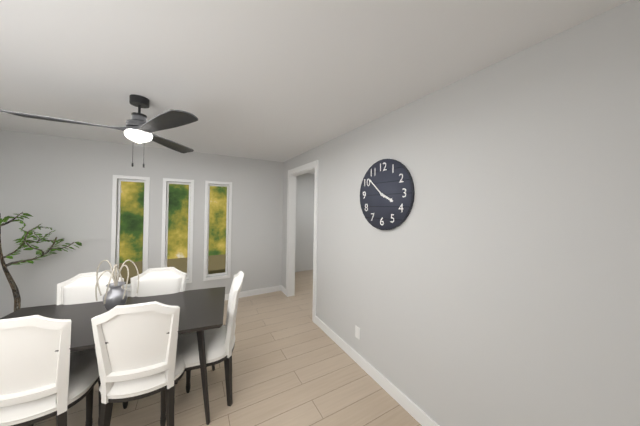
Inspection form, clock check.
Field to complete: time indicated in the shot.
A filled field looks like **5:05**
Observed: **3:52**
